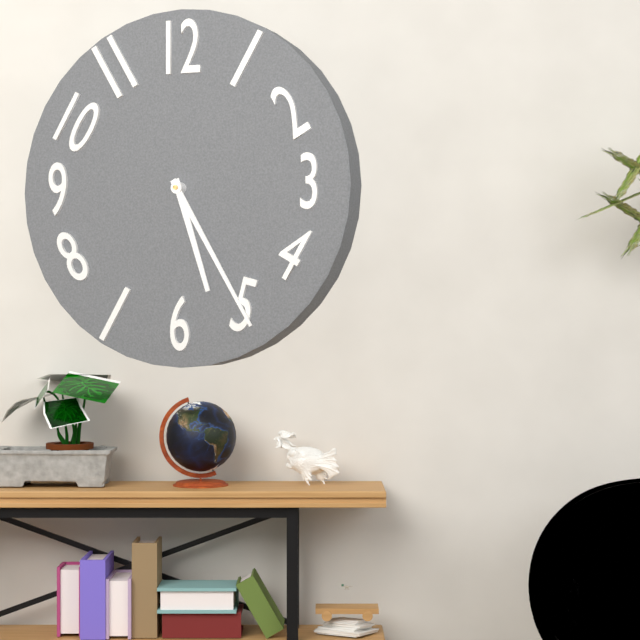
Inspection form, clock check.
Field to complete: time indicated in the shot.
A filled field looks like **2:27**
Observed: **5:25**
